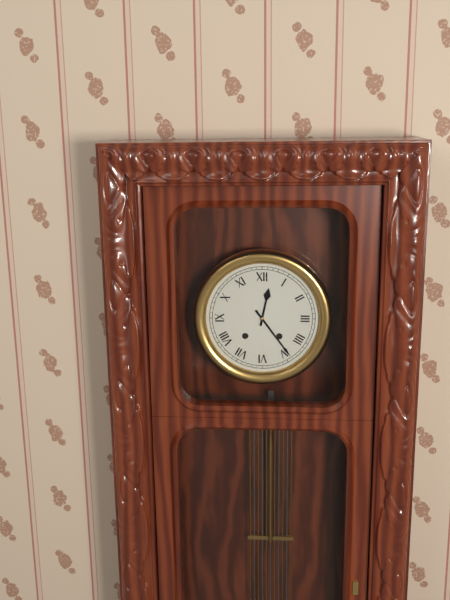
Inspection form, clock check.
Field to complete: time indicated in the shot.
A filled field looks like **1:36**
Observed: **12:24**
